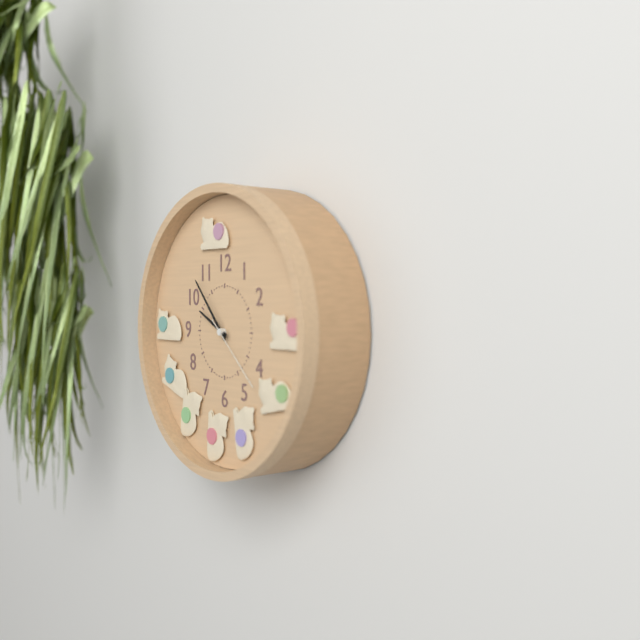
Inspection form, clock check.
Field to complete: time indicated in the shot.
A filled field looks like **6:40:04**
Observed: **9:53:22**
